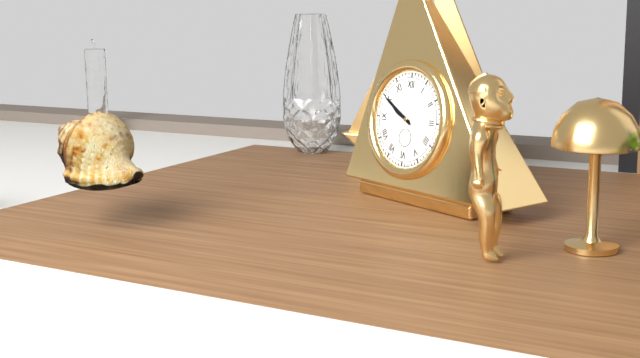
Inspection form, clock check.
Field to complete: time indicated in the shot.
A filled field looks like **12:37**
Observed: **9:50**
